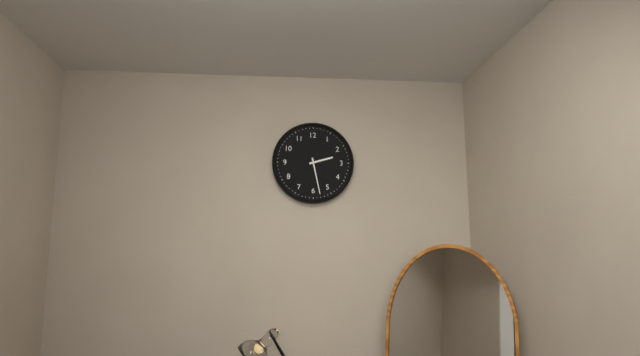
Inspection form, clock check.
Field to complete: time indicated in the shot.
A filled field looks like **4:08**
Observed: **2:28**
